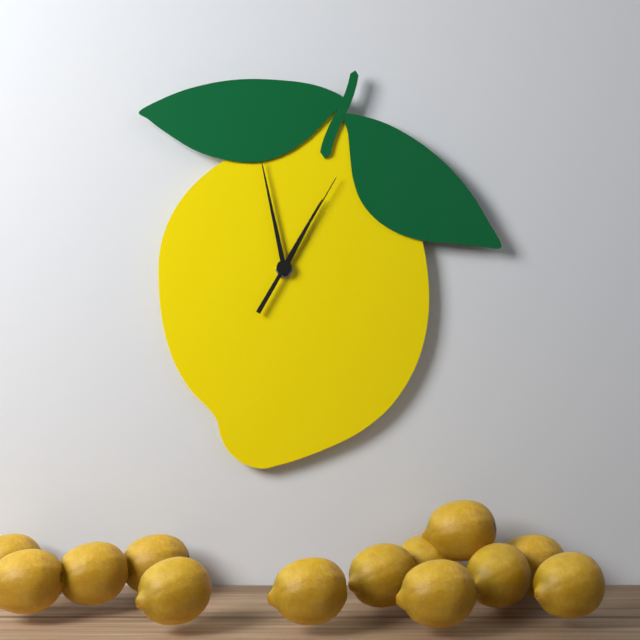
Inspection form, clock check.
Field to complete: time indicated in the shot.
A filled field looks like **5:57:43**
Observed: **12:58:05**
